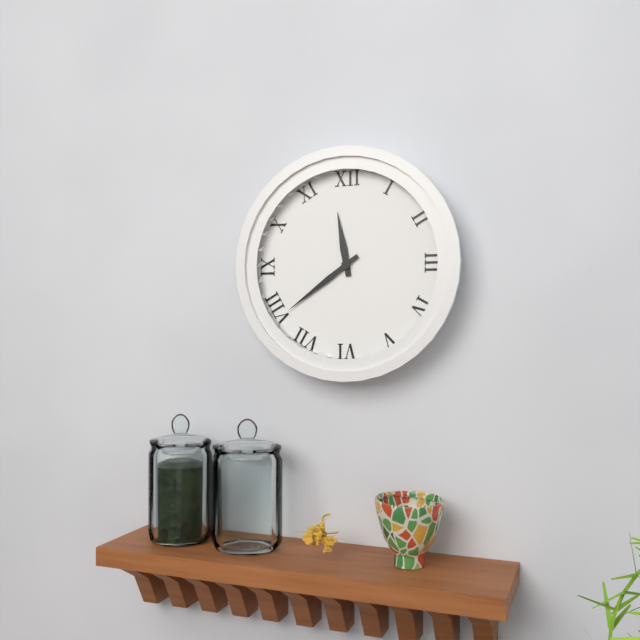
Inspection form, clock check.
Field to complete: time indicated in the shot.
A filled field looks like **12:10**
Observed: **11:39**
